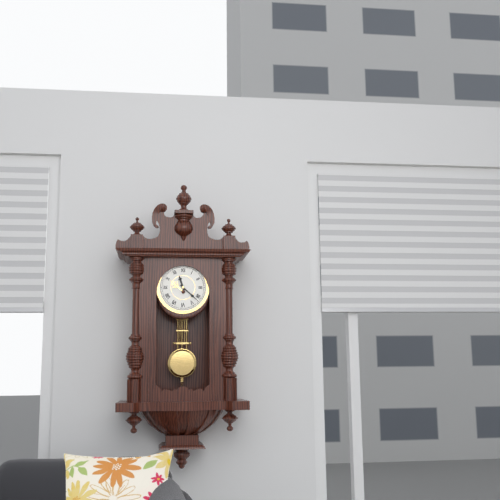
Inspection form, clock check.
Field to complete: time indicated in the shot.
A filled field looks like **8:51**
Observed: **11:22**
